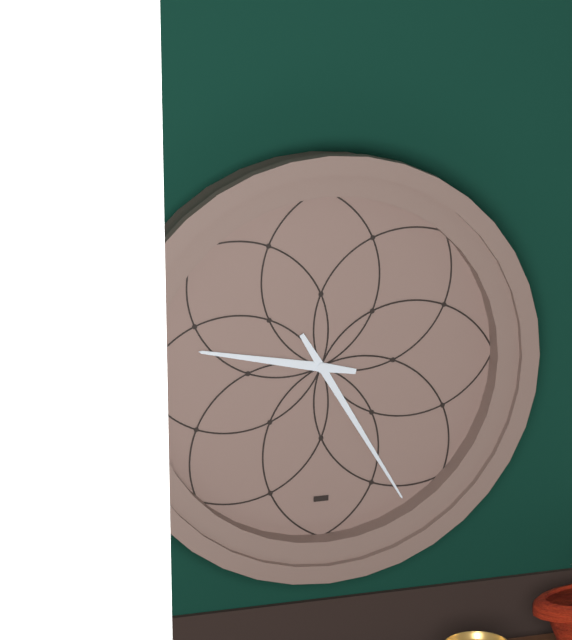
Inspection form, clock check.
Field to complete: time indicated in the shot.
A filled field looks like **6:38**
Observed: **9:25**
